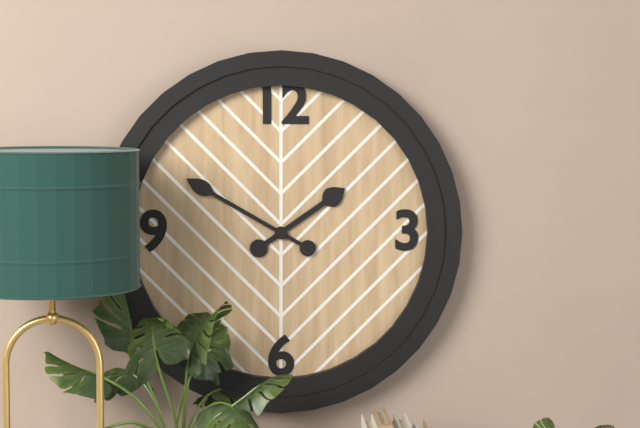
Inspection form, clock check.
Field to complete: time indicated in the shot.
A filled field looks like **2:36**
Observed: **1:50**
